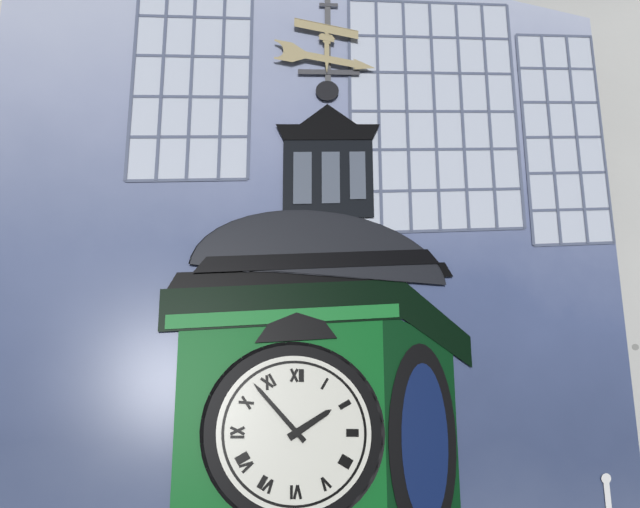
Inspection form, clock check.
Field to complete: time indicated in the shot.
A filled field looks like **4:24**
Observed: **1:53**
